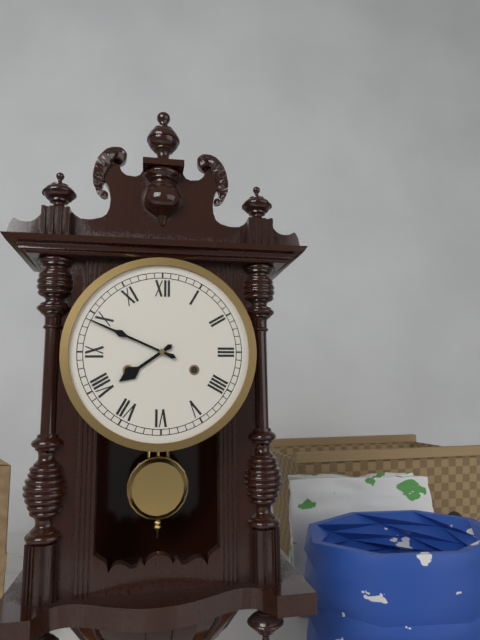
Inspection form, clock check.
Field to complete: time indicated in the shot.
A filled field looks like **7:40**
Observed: **7:49**
